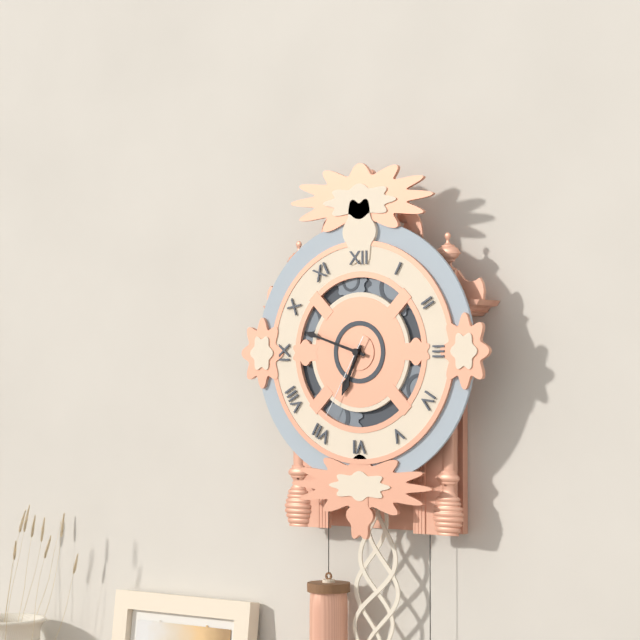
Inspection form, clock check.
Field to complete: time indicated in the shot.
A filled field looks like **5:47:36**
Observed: **6:48:35**
